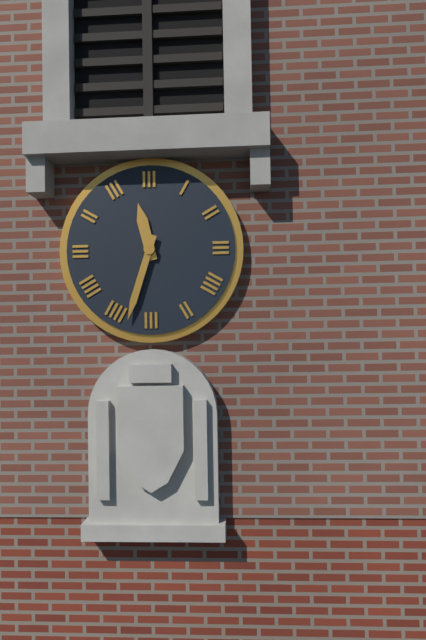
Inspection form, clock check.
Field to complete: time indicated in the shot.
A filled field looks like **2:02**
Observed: **11:33**
